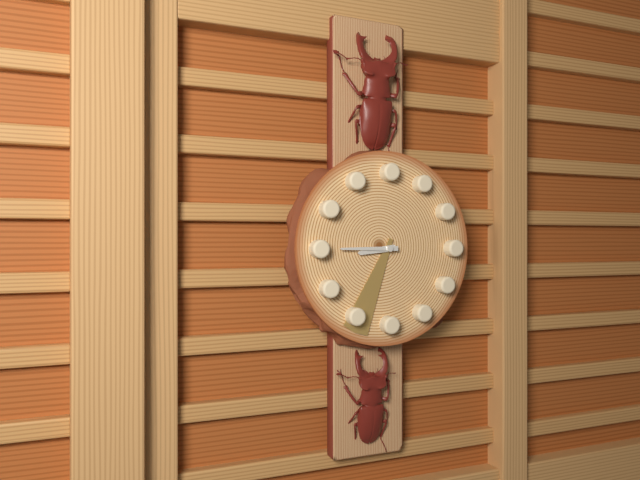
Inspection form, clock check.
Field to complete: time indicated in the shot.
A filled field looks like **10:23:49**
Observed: **8:45:34**
